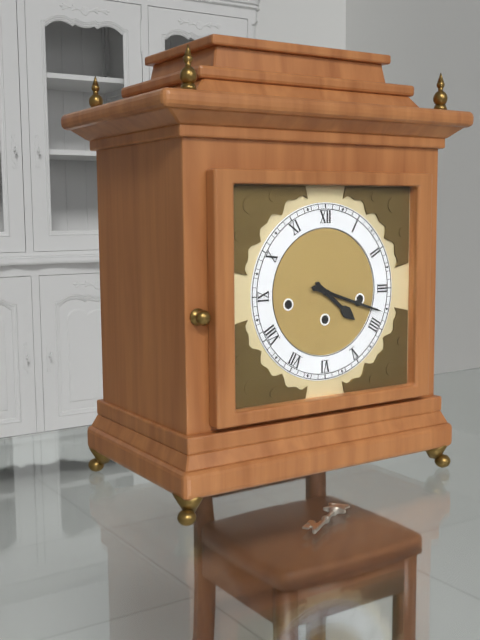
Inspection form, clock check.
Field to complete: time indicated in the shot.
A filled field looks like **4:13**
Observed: **4:18**
